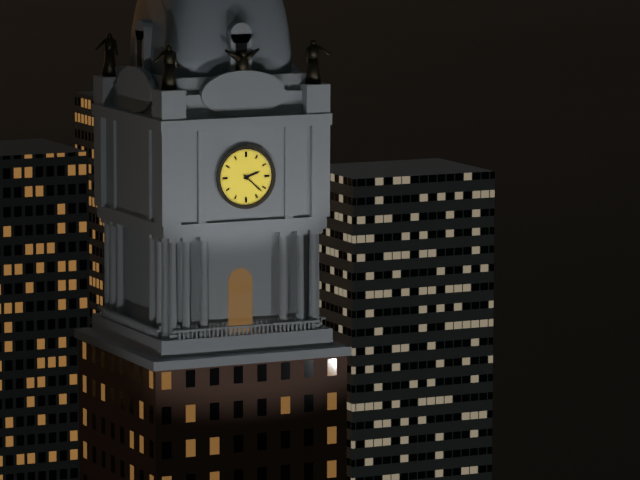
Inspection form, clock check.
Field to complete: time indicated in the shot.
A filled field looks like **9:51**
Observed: **2:22**
